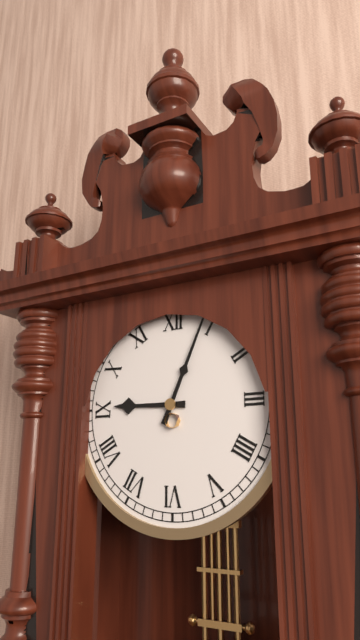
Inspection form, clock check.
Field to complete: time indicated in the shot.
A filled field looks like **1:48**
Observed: **9:04**
